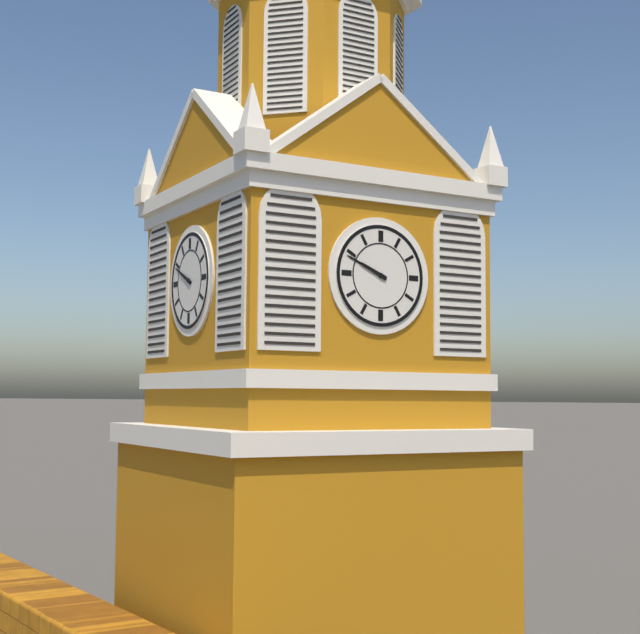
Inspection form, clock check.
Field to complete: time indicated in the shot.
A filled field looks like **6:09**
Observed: **9:49**
